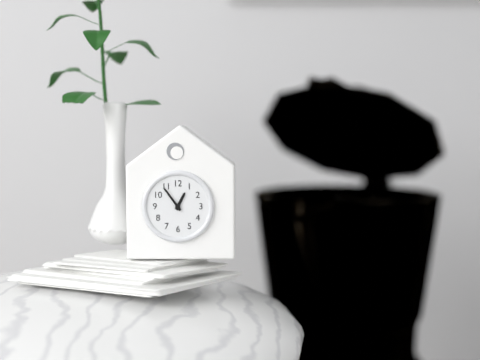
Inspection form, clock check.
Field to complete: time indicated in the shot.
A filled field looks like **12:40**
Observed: **12:54**
